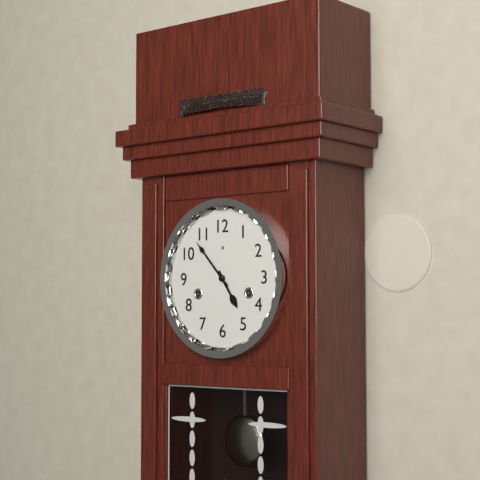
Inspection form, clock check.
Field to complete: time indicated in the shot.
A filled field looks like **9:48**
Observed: **4:53**
